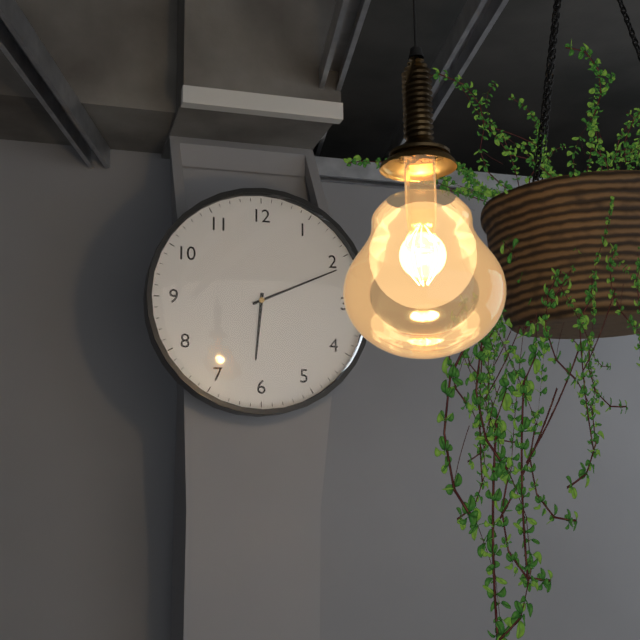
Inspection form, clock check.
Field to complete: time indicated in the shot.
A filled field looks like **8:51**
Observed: **6:11**
